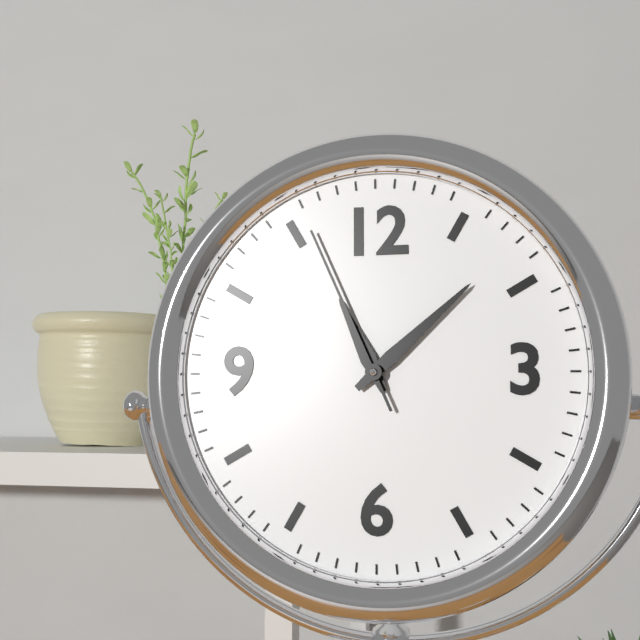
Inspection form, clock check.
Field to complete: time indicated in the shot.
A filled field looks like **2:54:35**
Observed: **11:08:56**
